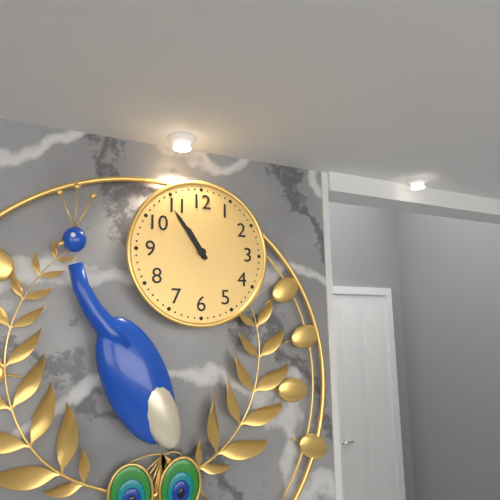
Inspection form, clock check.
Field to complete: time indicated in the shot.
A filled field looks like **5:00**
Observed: **10:54**
